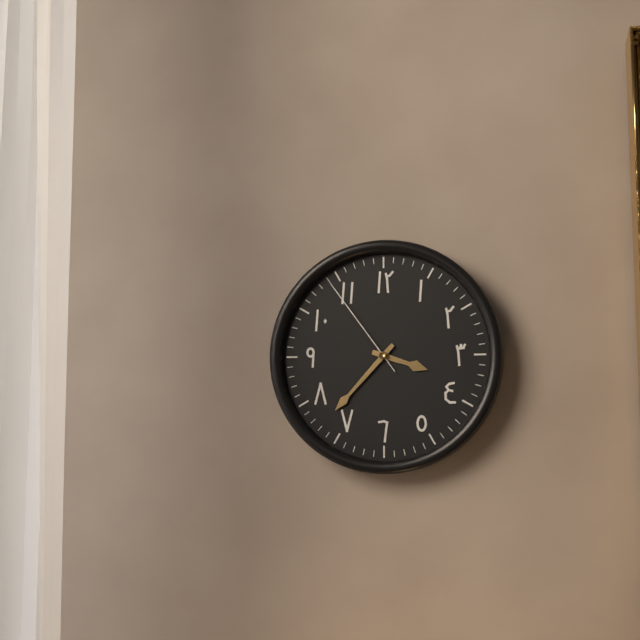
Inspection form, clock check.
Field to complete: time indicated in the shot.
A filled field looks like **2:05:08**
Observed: **3:37:54**
